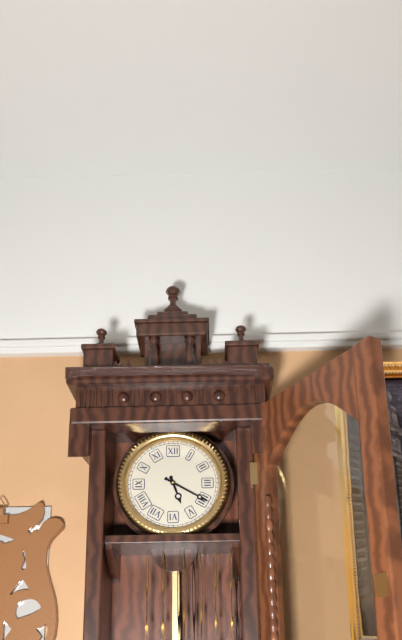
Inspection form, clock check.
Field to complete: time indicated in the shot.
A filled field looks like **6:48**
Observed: **5:20**
